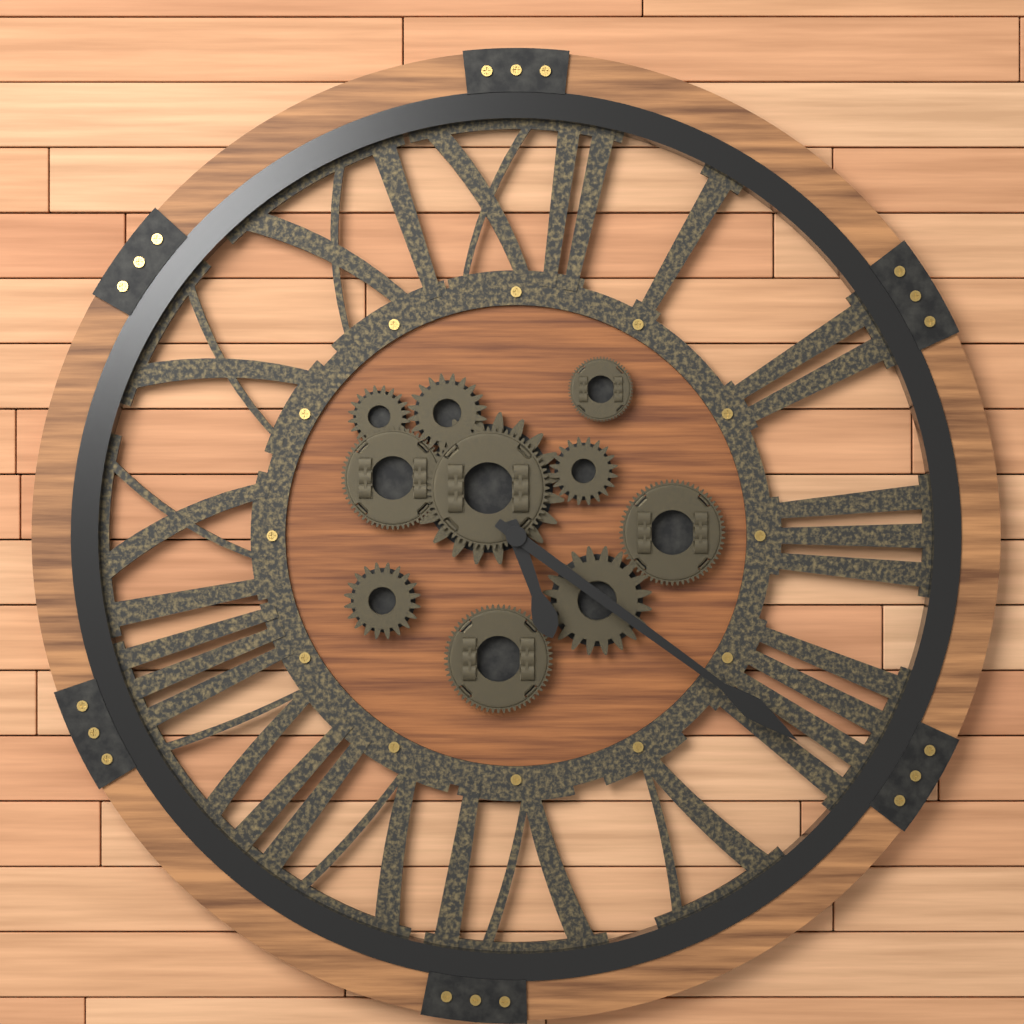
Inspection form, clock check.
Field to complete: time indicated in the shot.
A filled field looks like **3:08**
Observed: **5:21**
